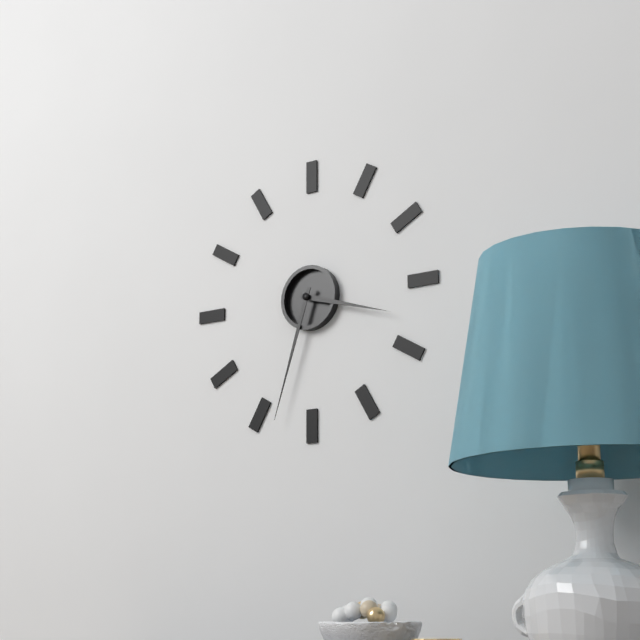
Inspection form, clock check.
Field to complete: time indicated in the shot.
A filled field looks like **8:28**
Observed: **3:33**
